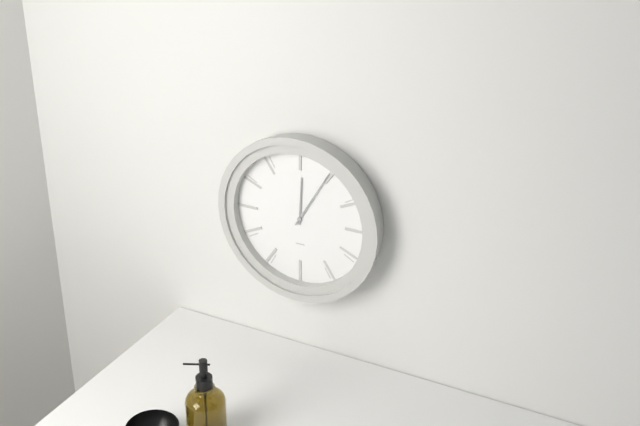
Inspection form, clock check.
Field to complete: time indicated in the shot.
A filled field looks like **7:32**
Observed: **12:05**
